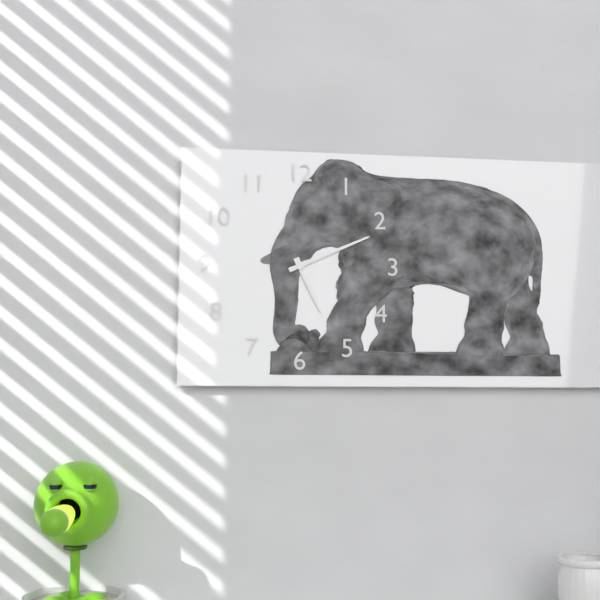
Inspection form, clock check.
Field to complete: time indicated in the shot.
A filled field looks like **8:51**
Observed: **5:11**
